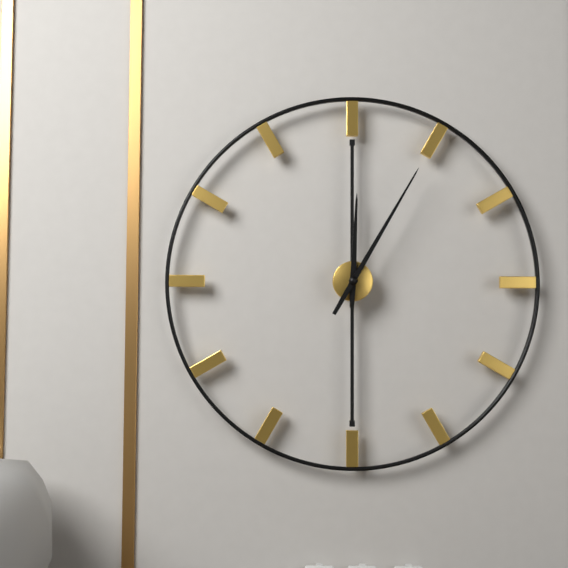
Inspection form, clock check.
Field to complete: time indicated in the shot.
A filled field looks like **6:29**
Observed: **12:05**
